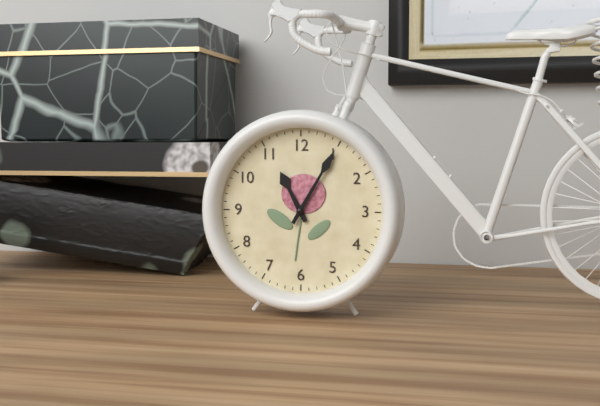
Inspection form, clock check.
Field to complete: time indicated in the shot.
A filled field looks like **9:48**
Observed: **11:05**
